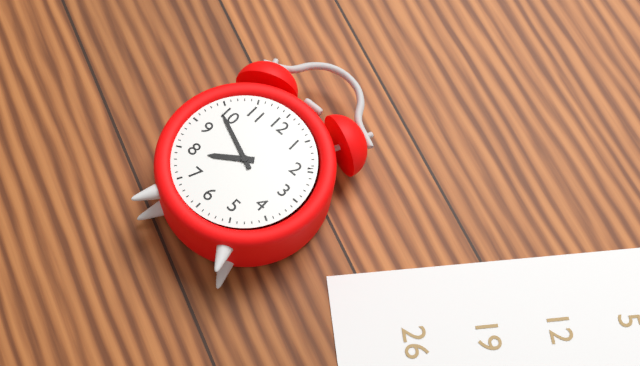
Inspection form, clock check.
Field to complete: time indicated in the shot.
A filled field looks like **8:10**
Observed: **7:49**
